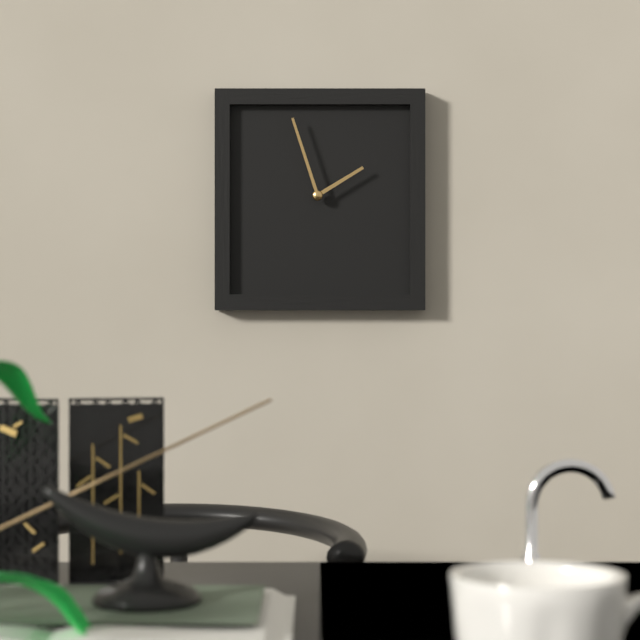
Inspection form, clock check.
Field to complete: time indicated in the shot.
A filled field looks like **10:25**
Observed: **1:57**
